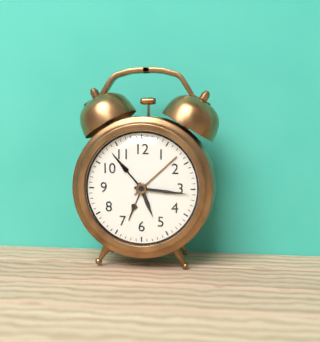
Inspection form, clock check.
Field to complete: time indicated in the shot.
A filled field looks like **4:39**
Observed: **5:16**
